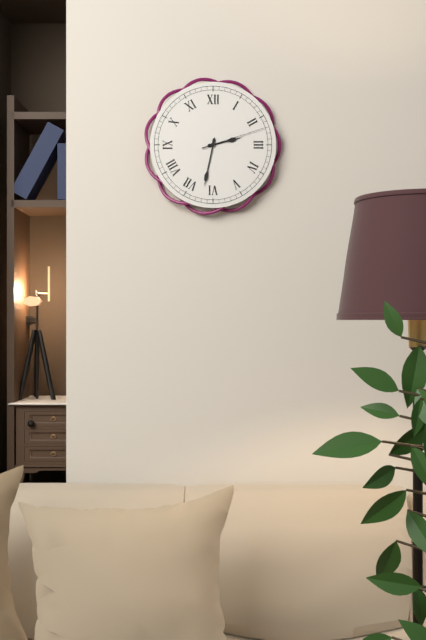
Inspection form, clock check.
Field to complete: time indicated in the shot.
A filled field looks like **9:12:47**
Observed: **2:32:12**
